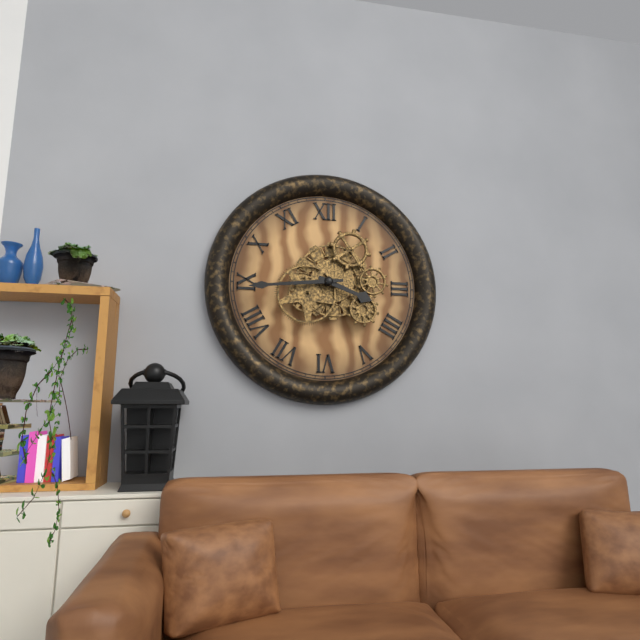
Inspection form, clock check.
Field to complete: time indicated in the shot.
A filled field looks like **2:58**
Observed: **3:44**
